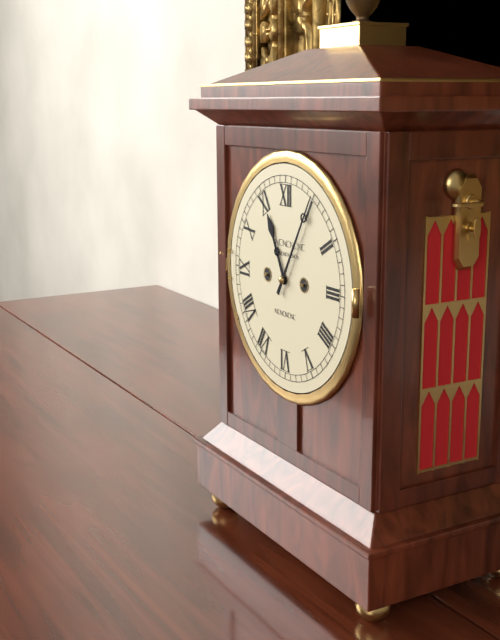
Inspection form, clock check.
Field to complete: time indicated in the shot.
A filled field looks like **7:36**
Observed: **11:05**
